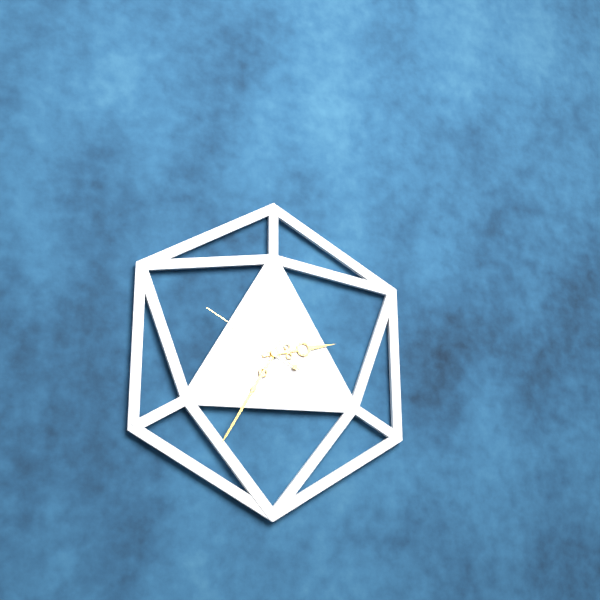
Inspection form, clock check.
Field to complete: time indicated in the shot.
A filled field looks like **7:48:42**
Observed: **2:35:50**
